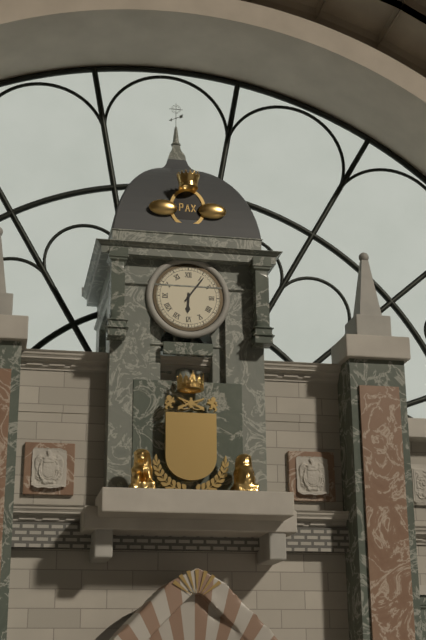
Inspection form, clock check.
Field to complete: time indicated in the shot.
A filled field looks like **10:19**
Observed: **6:06**
